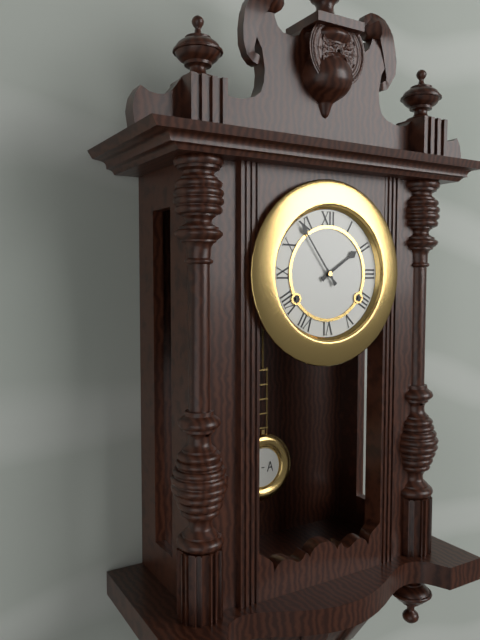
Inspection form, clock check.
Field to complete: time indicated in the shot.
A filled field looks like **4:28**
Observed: **1:54**
